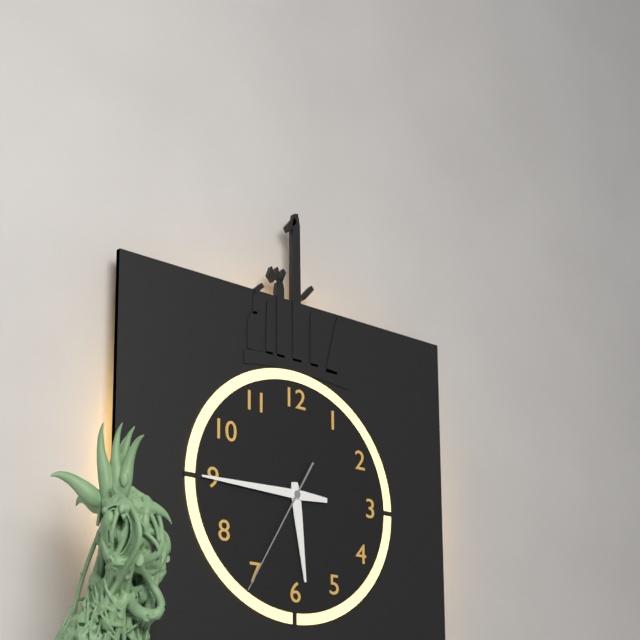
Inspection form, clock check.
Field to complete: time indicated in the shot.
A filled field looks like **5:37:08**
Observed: **5:45:35**
